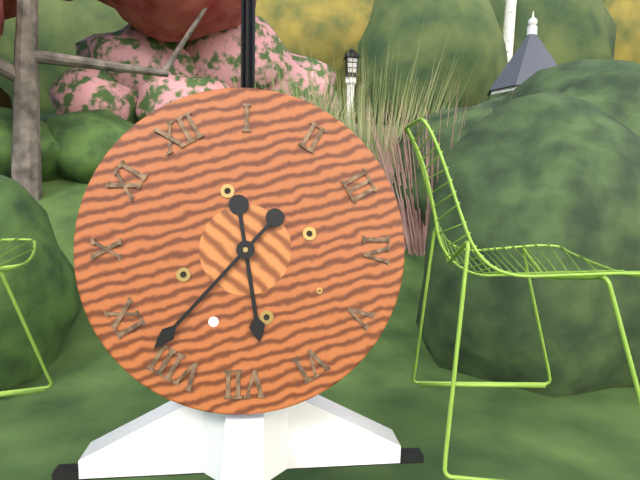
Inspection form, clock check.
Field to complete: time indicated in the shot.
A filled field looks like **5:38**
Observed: **6:42**
